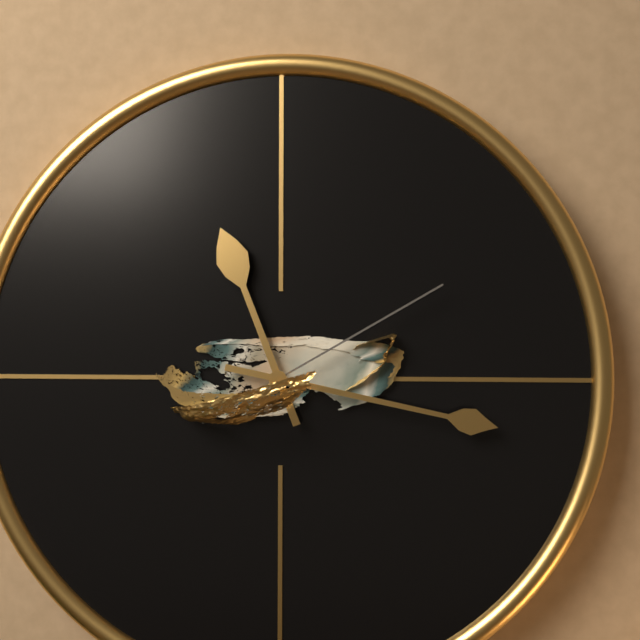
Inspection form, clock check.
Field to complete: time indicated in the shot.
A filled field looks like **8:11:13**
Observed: **11:17:10**
